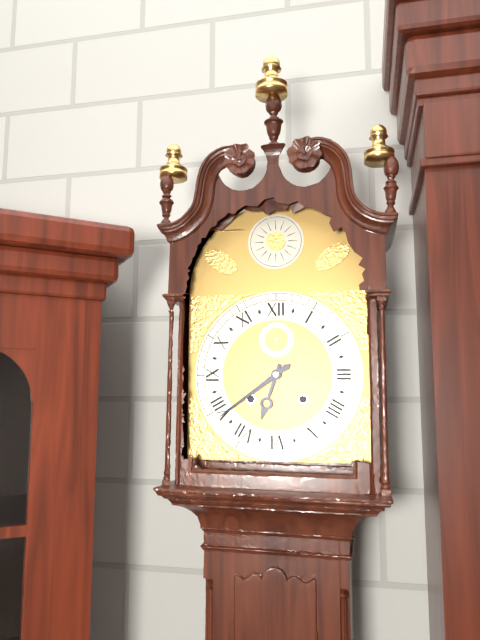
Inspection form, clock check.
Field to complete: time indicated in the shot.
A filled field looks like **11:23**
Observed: **6:39**
